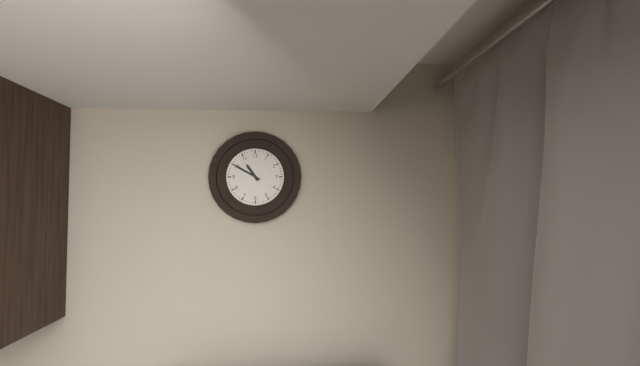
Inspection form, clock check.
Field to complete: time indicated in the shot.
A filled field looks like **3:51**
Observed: **10:50**
